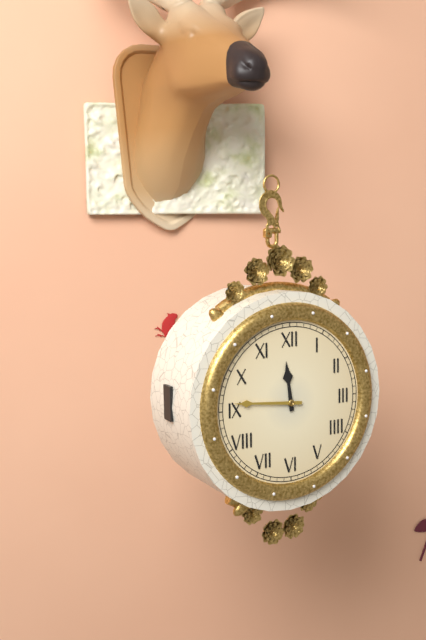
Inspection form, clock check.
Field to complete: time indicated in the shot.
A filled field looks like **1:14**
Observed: **11:46**
